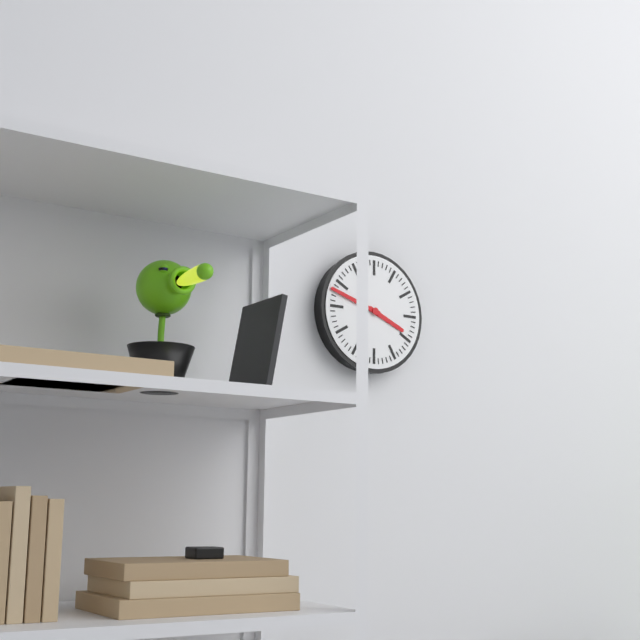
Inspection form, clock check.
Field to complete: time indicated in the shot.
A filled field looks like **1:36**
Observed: **3:48**
